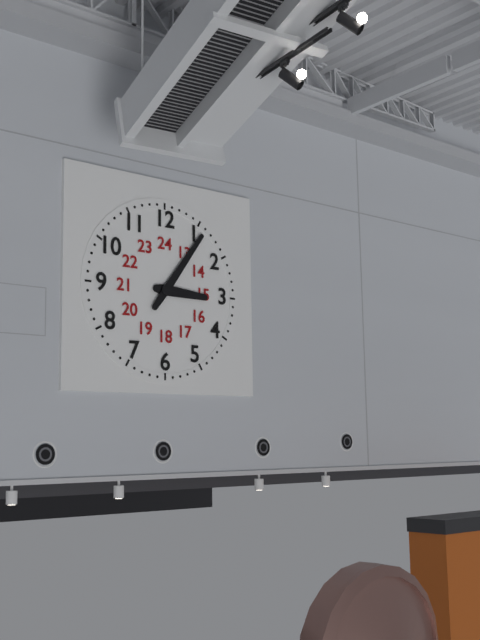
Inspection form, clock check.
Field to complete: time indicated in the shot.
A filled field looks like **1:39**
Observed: **3:06**
